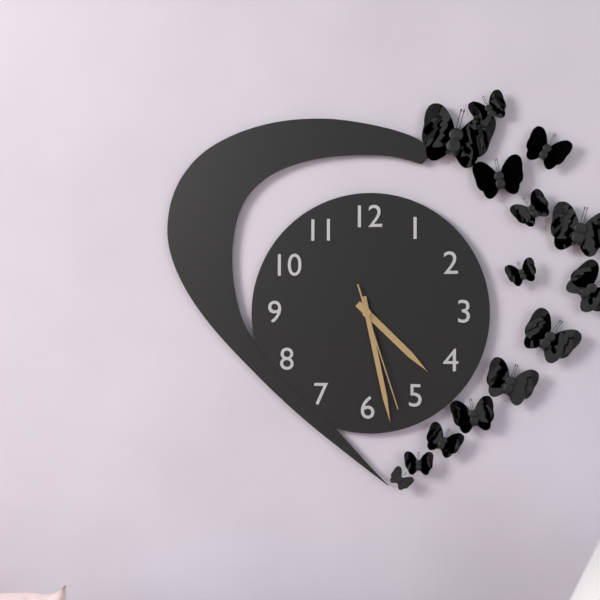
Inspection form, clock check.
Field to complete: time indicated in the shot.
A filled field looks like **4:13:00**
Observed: **4:28:27**
